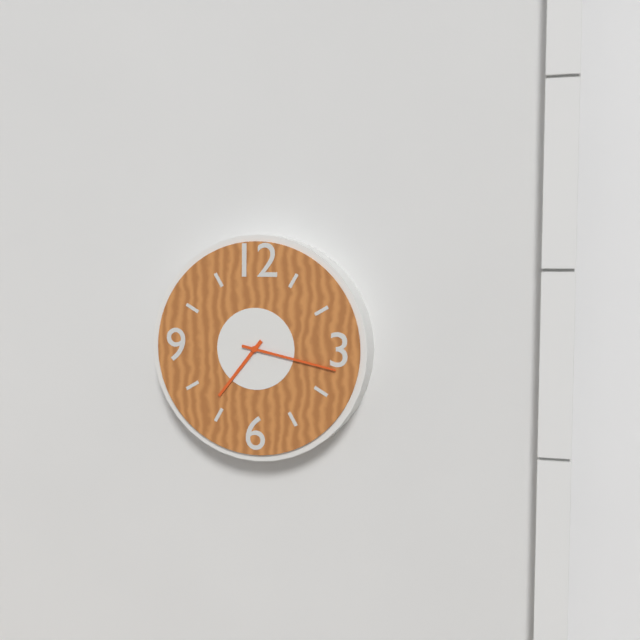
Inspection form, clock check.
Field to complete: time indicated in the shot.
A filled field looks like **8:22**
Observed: **7:17**
